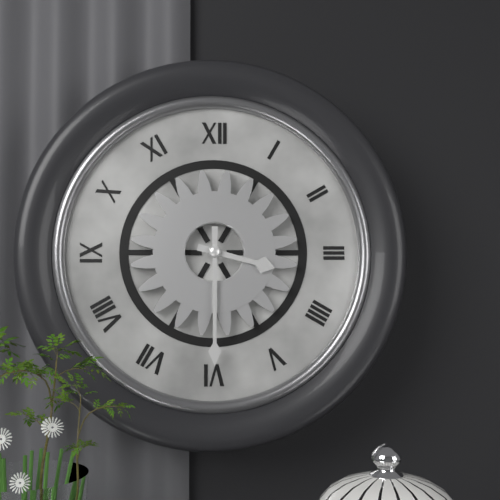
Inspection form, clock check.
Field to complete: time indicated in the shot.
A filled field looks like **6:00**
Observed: **3:30**
